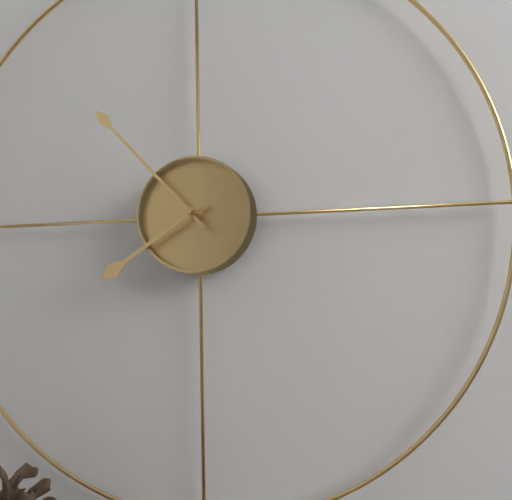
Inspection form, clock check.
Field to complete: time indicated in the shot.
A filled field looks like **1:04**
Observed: **7:53**
